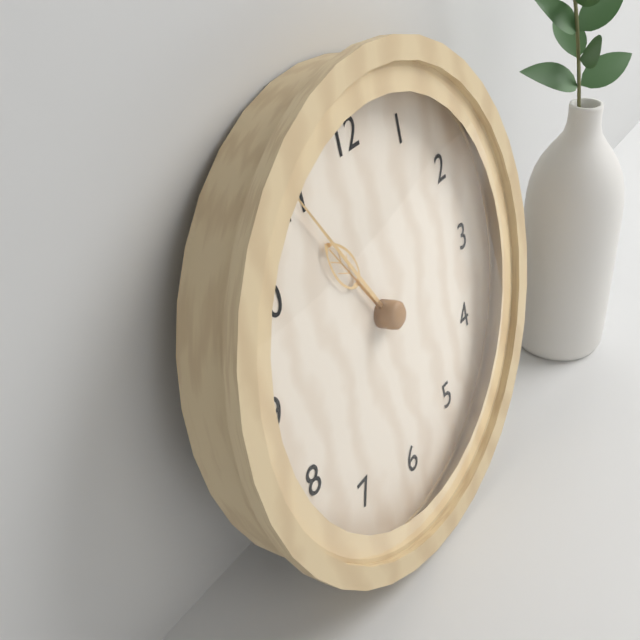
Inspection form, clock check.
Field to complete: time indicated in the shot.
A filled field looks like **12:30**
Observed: **10:55**
